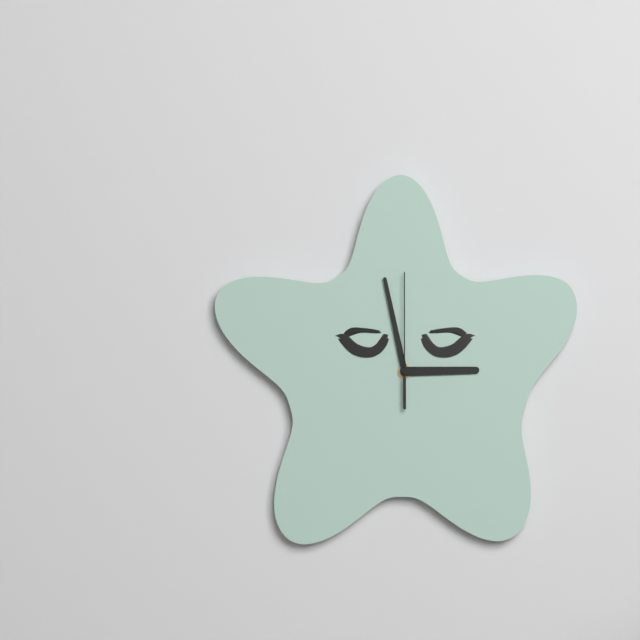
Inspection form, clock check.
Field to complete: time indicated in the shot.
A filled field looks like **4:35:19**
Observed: **2:58:00**
